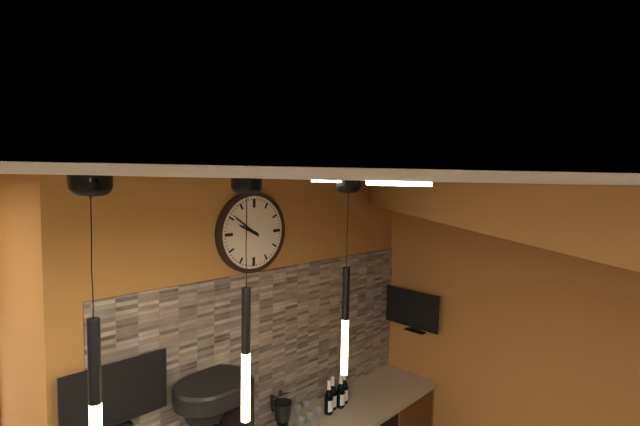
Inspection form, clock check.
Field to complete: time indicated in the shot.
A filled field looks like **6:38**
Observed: **9:51**
